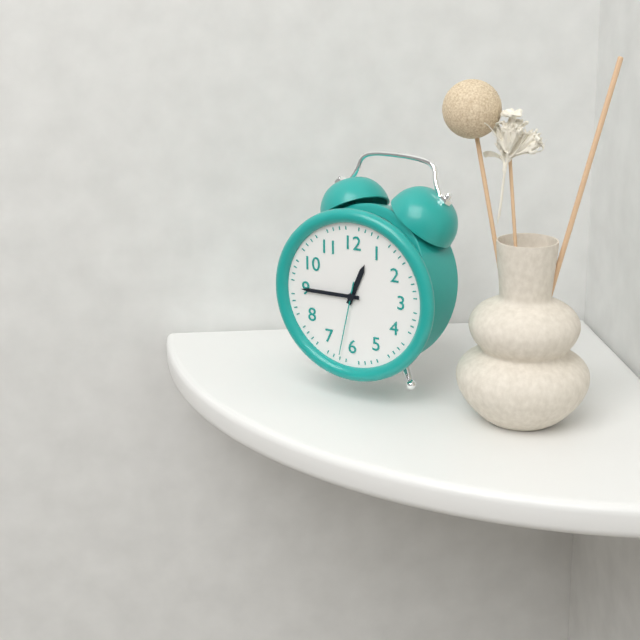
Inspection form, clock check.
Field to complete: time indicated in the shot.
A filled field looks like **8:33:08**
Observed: **12:45:32**
